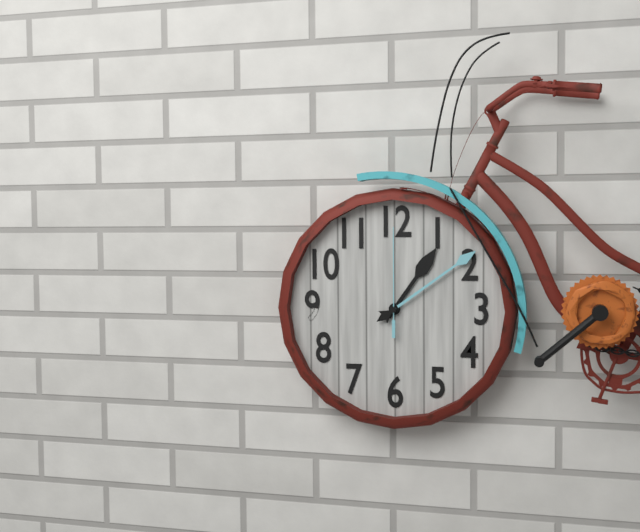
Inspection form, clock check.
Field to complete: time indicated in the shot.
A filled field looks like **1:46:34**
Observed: **1:09:00**
